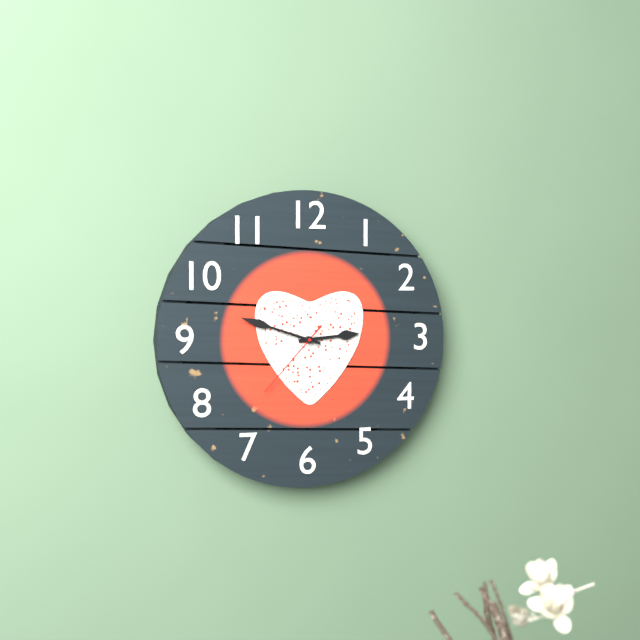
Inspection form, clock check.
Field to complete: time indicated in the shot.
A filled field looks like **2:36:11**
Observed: **2:48:37**
